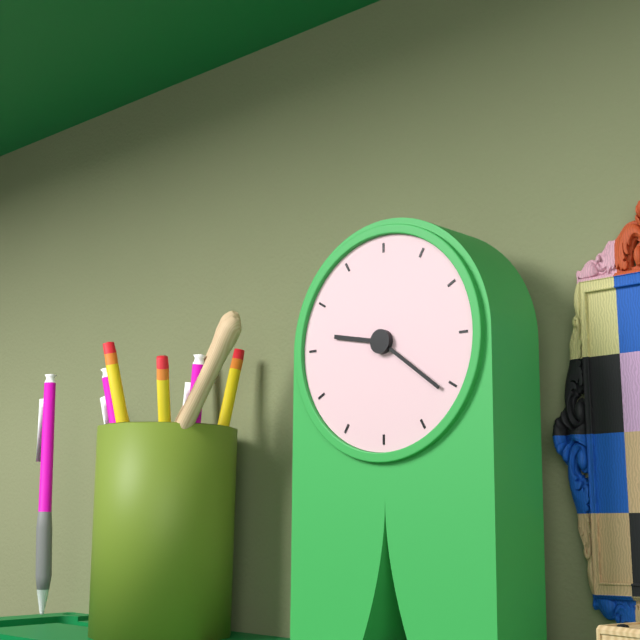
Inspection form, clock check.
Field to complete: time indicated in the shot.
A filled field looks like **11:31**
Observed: **9:21**
